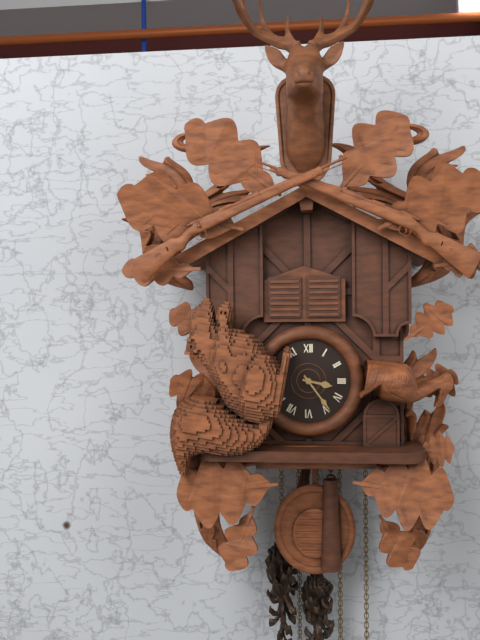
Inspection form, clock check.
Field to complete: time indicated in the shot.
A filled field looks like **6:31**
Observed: **3:24**
